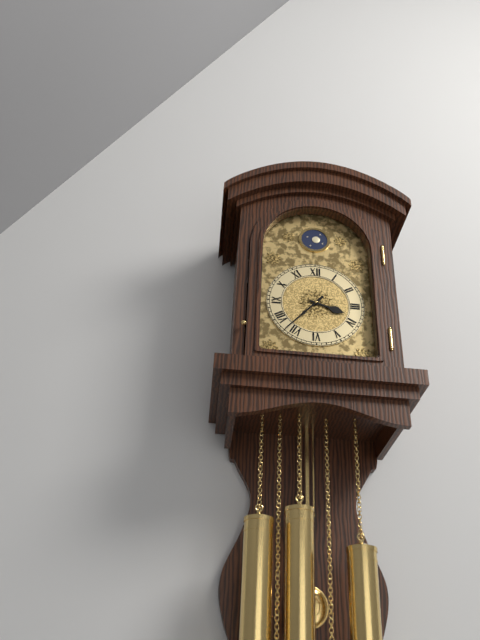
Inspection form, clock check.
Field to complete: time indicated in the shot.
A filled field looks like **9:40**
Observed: **3:37**
